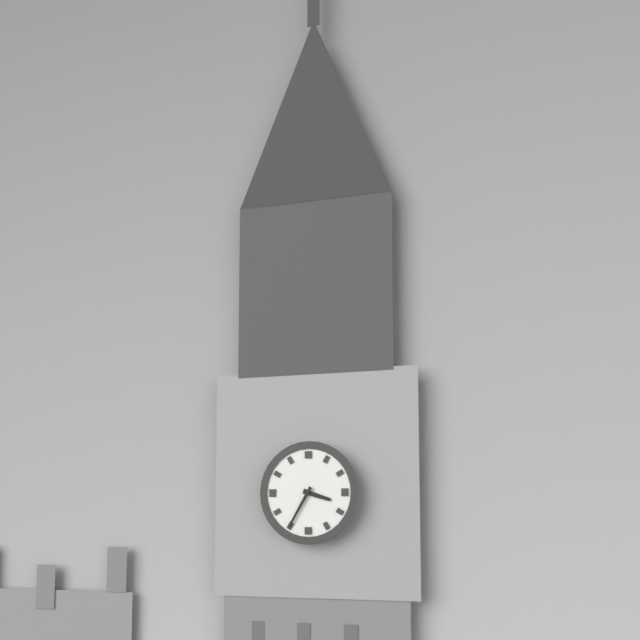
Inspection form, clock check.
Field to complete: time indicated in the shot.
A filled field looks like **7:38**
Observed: **3:35**
